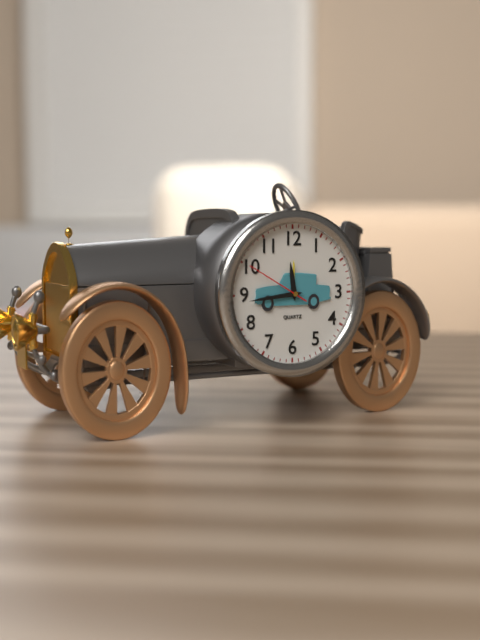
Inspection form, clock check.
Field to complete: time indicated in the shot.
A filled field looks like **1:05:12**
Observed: **11:44:50**
